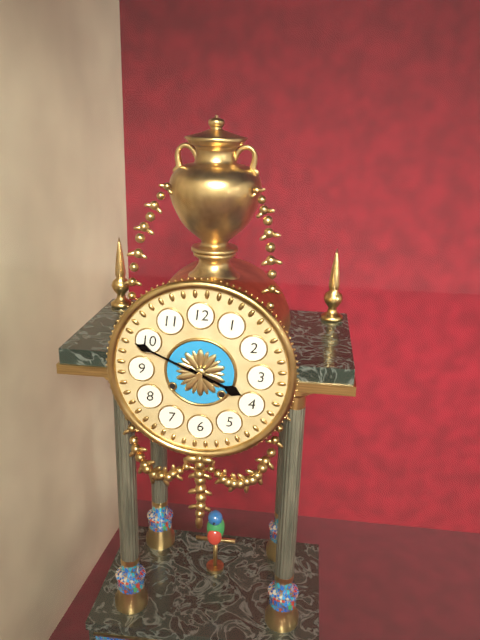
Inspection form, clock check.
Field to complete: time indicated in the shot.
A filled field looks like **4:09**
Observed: **3:49**
